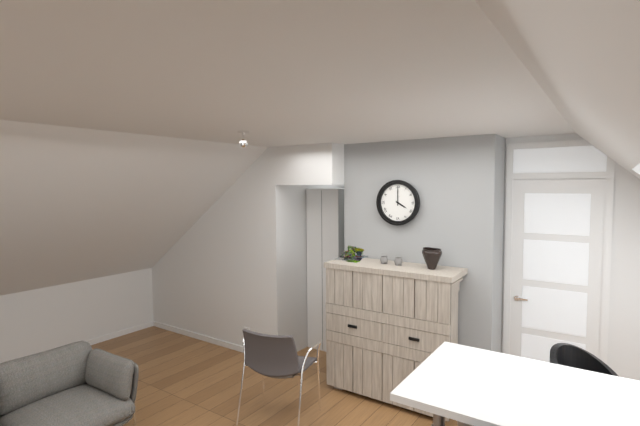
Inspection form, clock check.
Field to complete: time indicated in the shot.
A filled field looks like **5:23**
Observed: **4:00**
